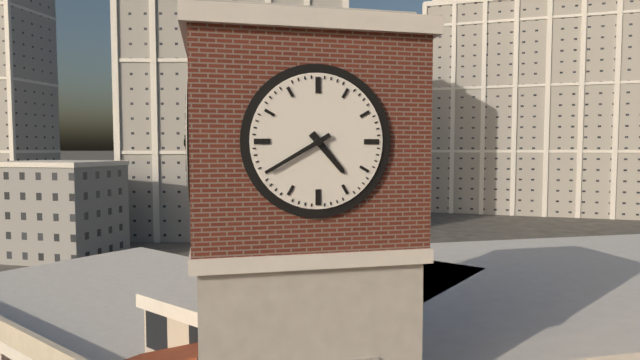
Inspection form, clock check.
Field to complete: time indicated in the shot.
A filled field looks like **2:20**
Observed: **4:40**
